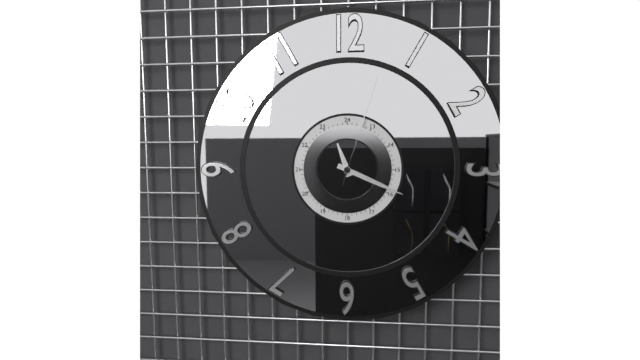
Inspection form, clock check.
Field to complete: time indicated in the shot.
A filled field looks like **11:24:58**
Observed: **11:19:03**
